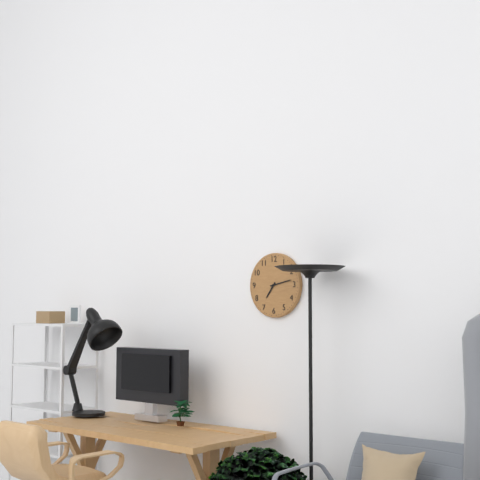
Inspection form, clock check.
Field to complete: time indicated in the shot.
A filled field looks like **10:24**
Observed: **7:13**
